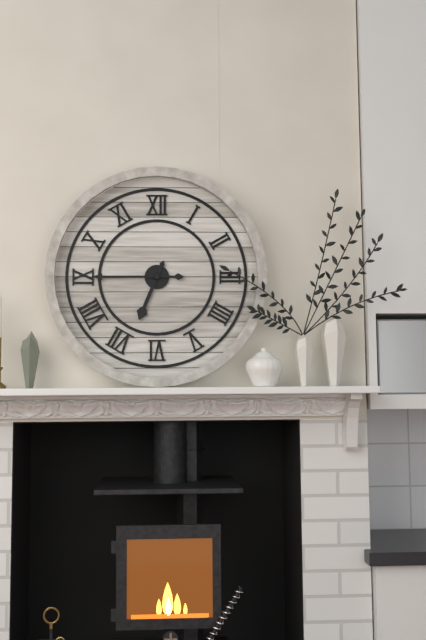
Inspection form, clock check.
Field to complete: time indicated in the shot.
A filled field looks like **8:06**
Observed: **6:45**
